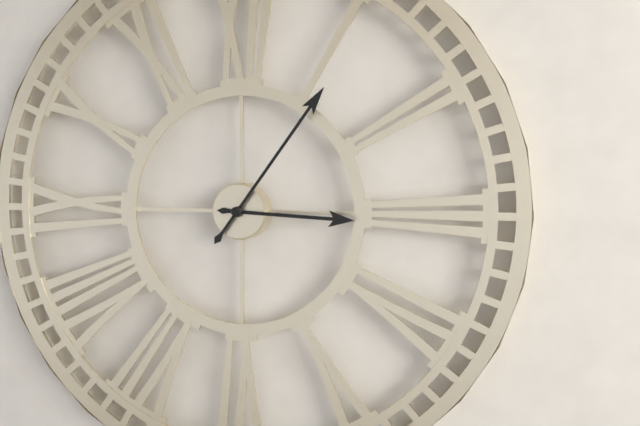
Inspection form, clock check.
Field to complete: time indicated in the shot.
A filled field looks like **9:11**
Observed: **3:06**
